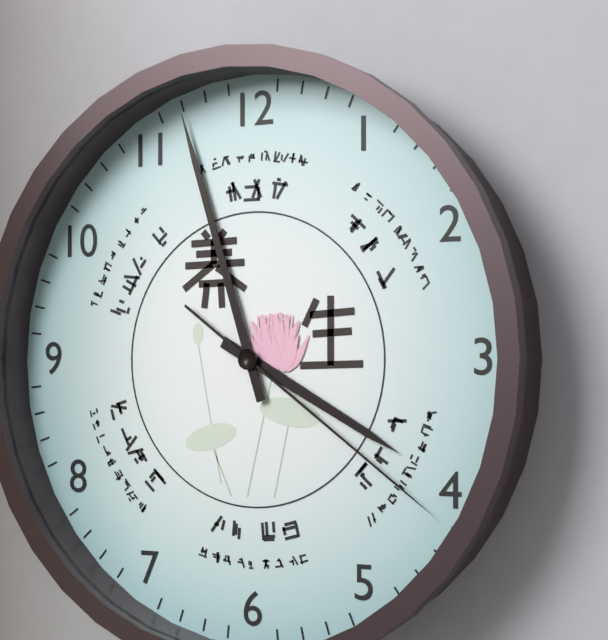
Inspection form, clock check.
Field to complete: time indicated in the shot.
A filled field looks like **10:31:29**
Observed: **3:57:21**
